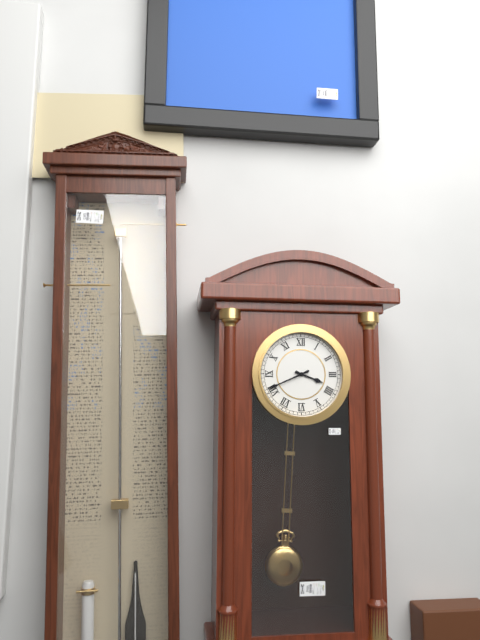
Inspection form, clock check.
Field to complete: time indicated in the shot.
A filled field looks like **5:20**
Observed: **3:41**
